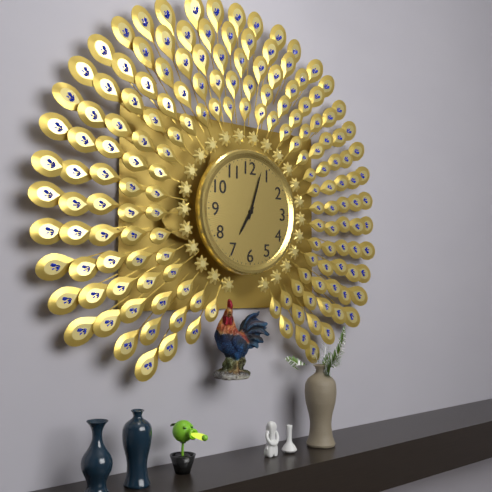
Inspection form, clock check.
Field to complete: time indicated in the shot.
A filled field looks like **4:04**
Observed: **7:03**
